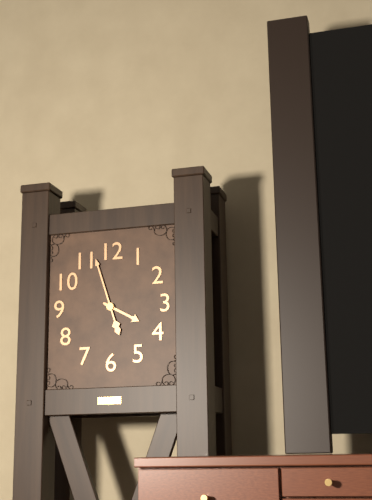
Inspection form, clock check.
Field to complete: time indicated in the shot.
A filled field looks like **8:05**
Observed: **3:57**
